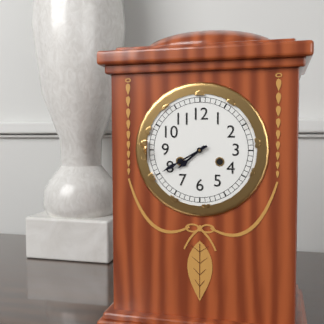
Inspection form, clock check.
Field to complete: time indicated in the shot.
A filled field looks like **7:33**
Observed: **7:40**
